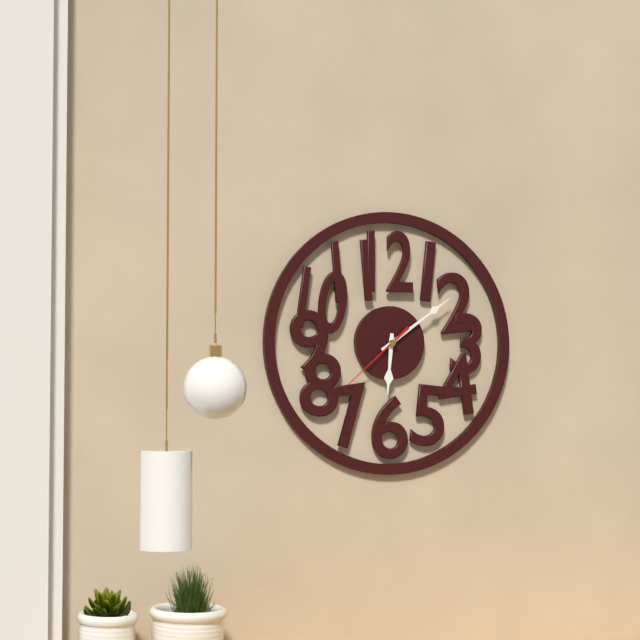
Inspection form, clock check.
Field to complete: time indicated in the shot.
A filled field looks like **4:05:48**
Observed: **6:09:38**
